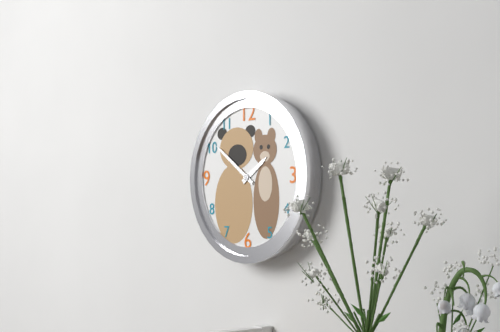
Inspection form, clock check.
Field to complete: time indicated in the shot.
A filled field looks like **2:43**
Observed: **1:51**
